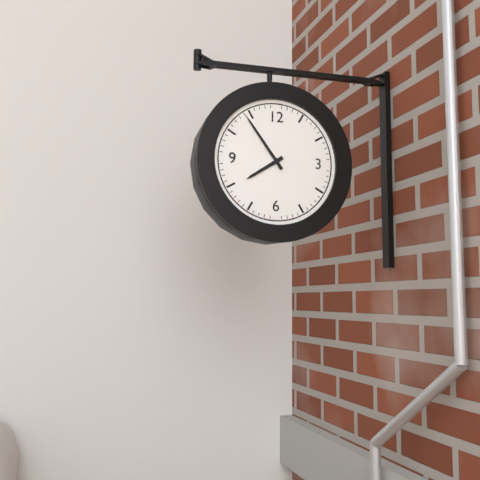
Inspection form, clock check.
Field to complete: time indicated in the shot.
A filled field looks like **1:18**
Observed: **7:54**
